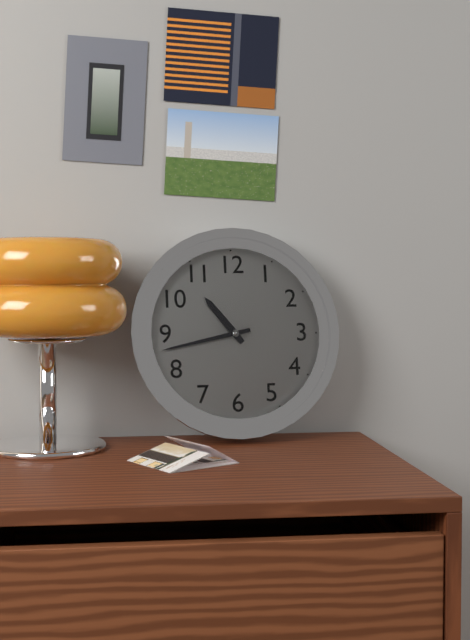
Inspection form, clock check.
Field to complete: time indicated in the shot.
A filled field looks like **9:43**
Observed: **10:43**
